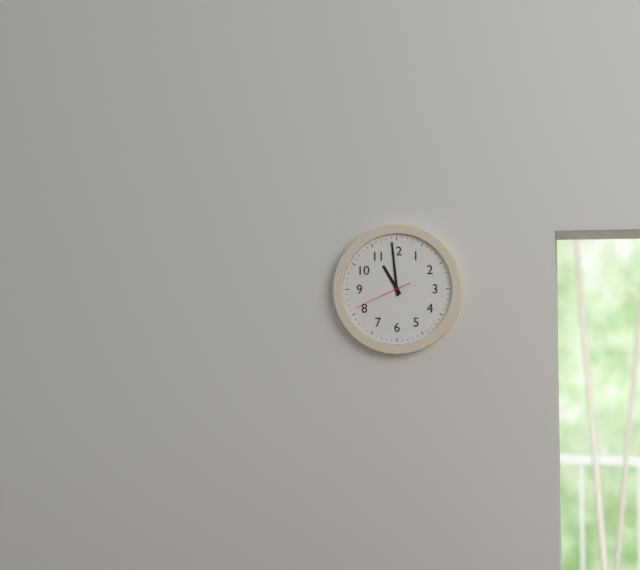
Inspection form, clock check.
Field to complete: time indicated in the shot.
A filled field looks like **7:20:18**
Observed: **10:59:41**
